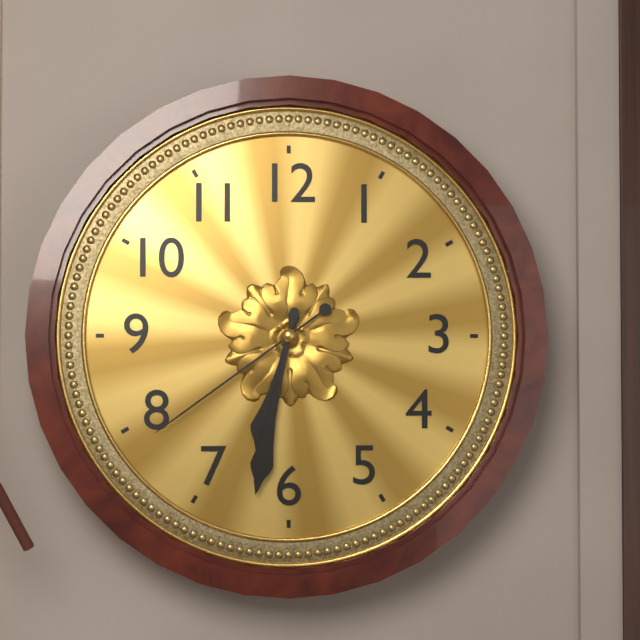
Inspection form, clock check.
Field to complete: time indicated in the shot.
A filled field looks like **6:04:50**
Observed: **6:32:39**
